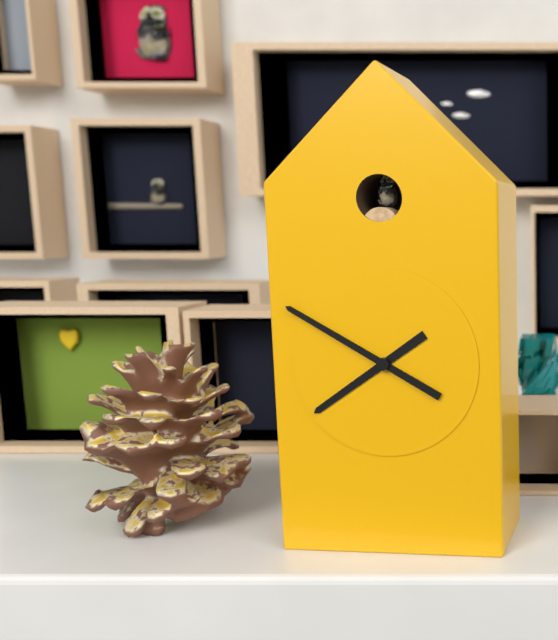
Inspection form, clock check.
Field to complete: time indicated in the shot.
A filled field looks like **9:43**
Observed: **7:50**
